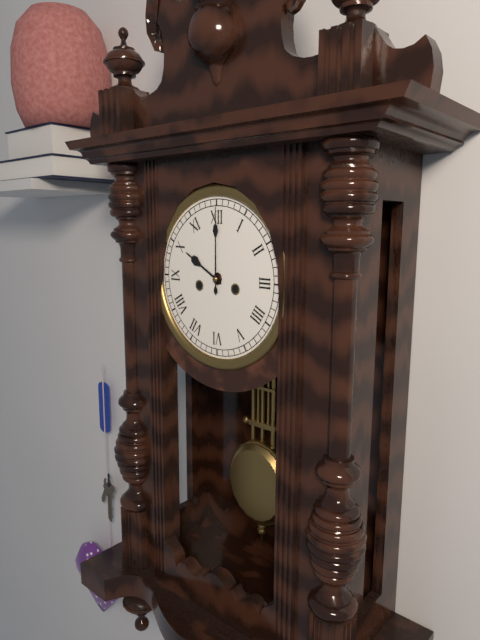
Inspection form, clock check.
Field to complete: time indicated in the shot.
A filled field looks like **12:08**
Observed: **10:00**
